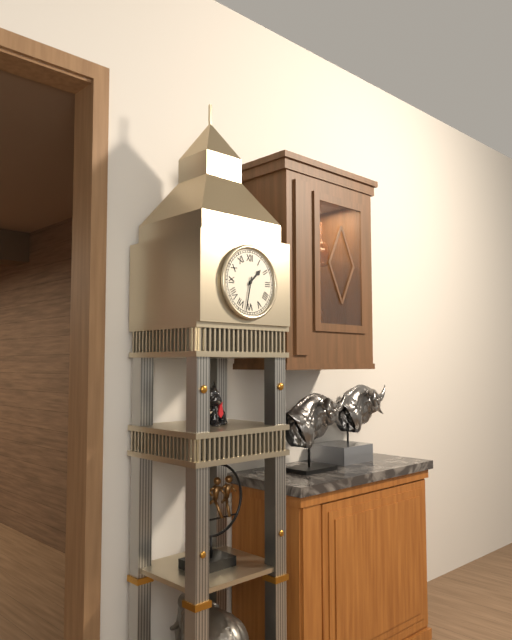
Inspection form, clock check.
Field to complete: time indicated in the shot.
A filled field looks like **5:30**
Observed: **1:32**
